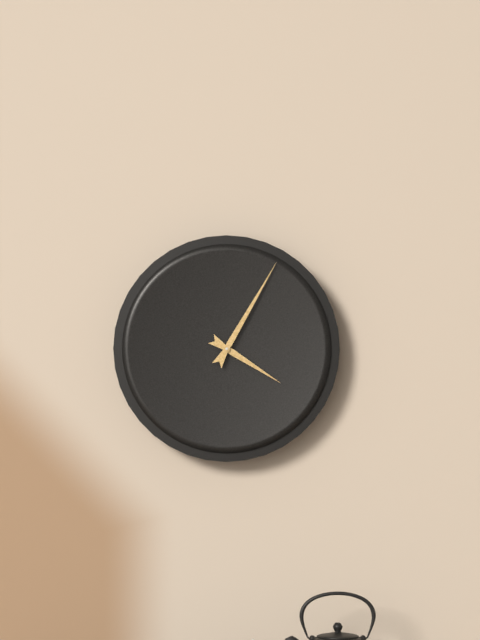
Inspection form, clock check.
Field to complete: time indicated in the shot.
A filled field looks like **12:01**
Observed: **4:05**
